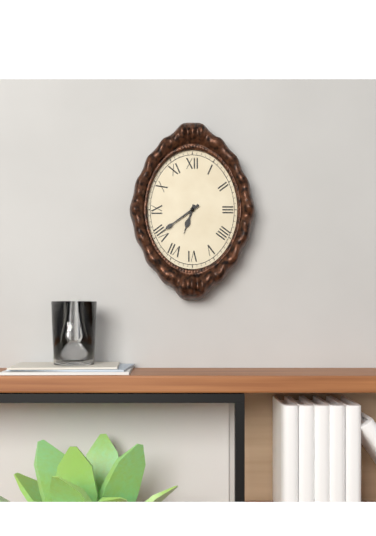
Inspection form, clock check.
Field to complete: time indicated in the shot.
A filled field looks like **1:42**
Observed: **6:39**
